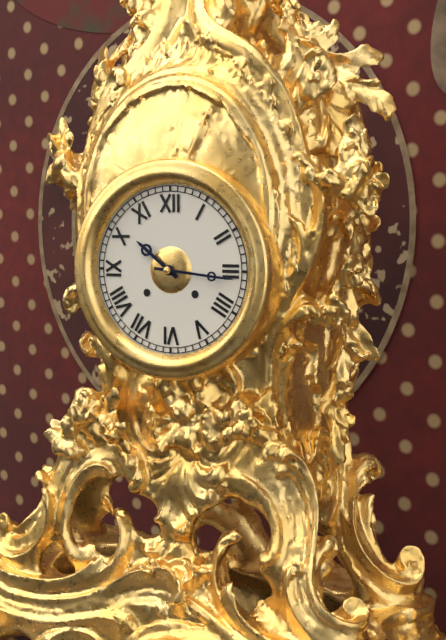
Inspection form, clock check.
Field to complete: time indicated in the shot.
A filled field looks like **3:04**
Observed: **10:16**
